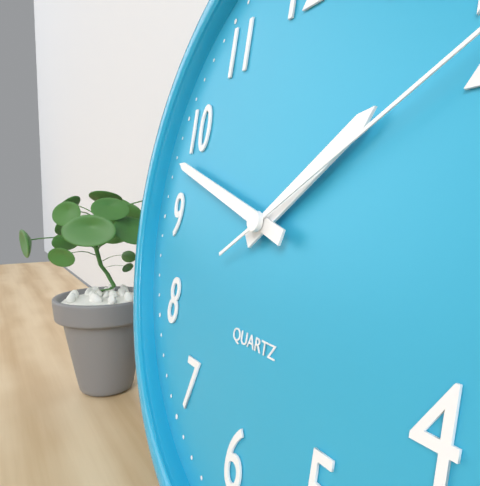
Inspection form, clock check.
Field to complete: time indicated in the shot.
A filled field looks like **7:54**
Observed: **1:48**
